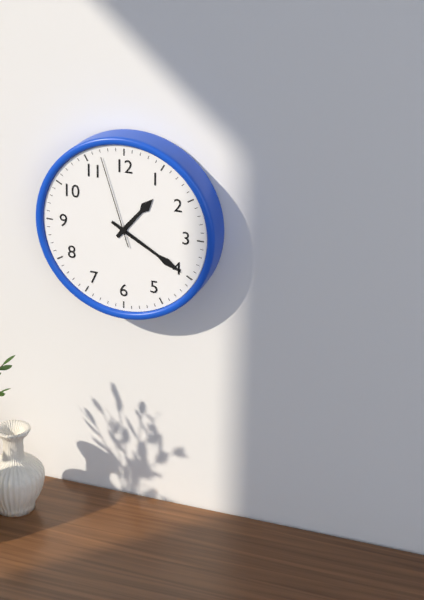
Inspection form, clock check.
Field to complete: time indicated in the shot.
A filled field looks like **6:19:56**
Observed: **1:20:57**
